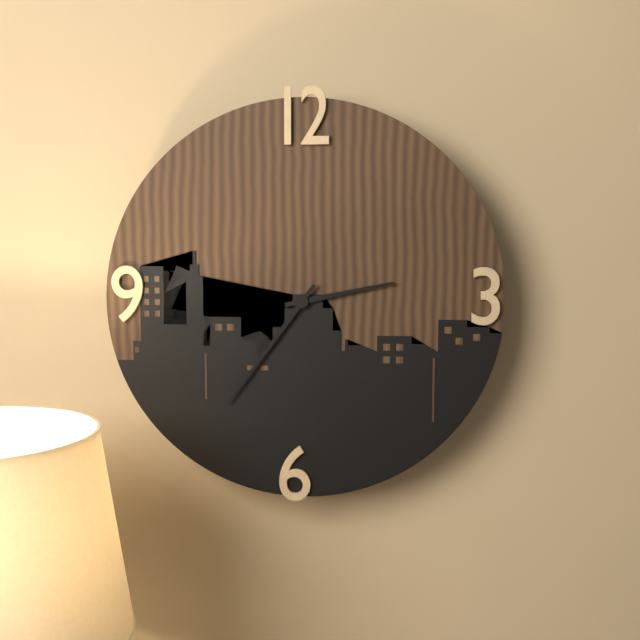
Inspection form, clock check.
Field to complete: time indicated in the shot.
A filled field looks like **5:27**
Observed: **2:36**
